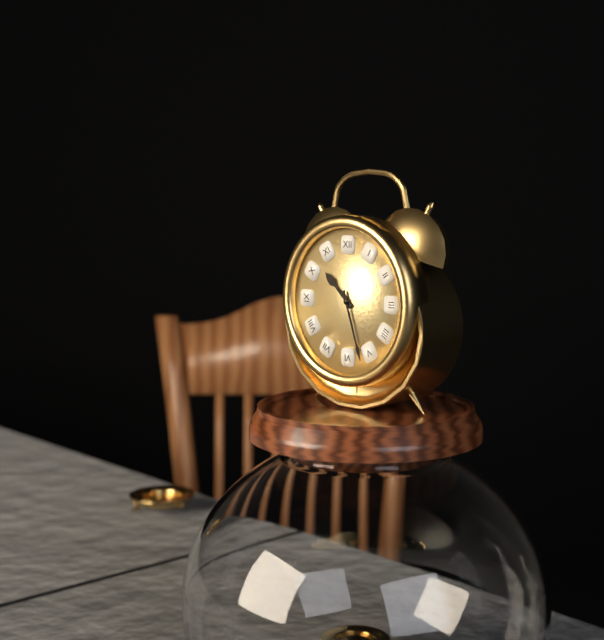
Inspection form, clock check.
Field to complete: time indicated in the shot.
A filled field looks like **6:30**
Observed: **10:27**
